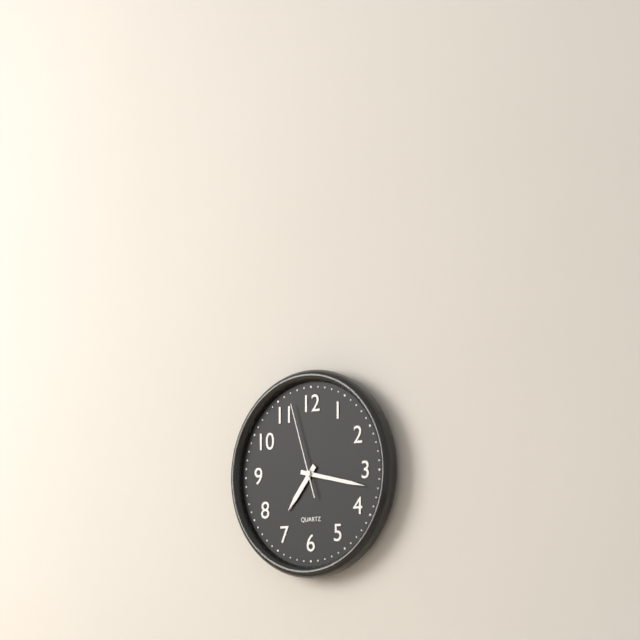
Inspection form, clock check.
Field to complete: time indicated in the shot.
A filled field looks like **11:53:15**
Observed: **7:17:57**
